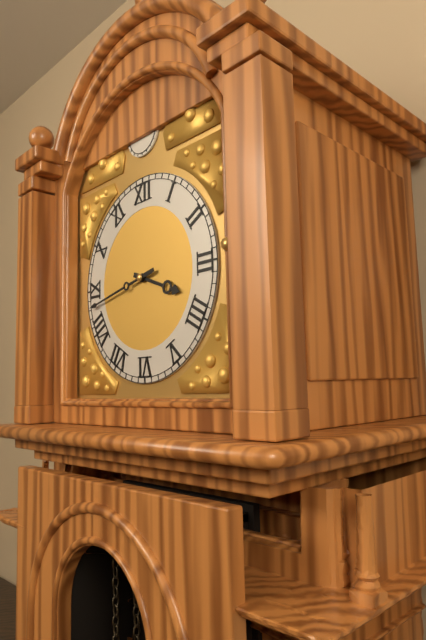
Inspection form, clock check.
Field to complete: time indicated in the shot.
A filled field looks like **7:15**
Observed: **3:43**
